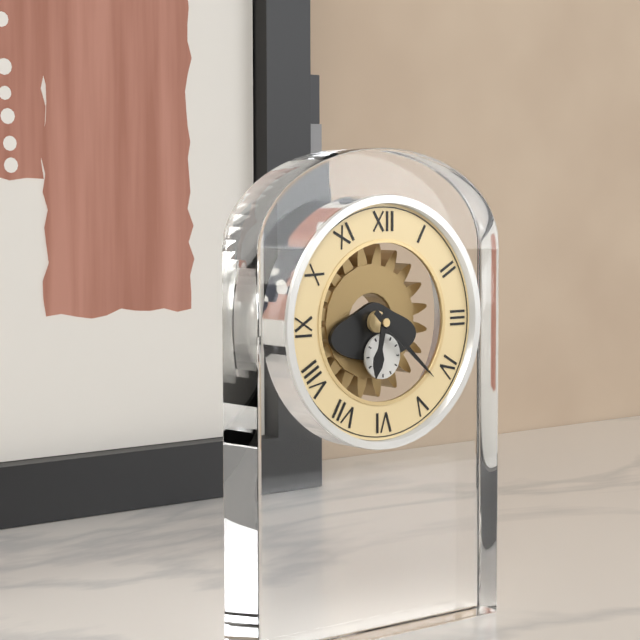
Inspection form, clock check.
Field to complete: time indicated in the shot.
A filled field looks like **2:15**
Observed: **6:22**
